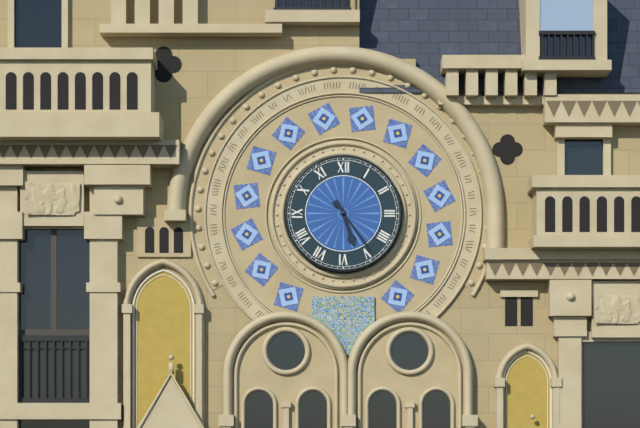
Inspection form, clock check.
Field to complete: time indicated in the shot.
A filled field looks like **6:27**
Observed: **5:24**
